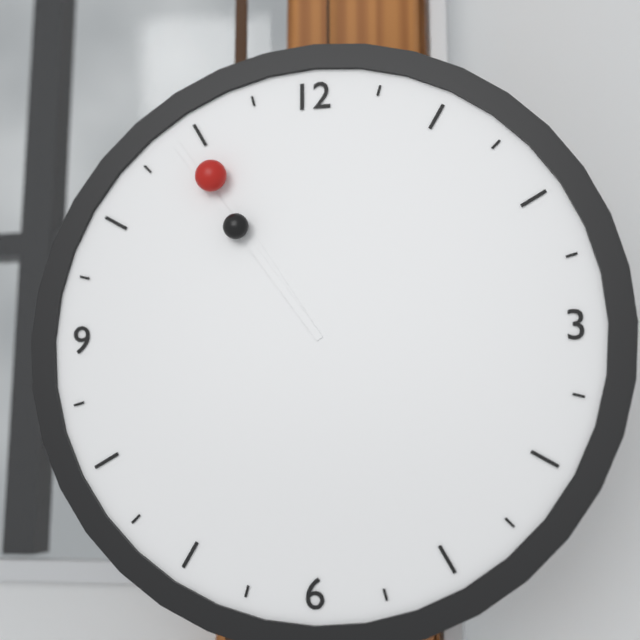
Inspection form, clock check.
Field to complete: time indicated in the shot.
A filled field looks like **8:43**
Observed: **10:54**
